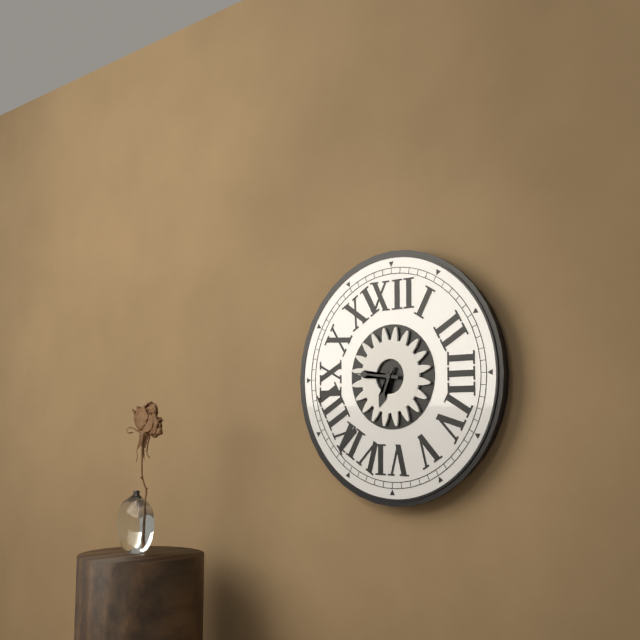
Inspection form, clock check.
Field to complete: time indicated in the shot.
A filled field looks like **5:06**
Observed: **6:46**
